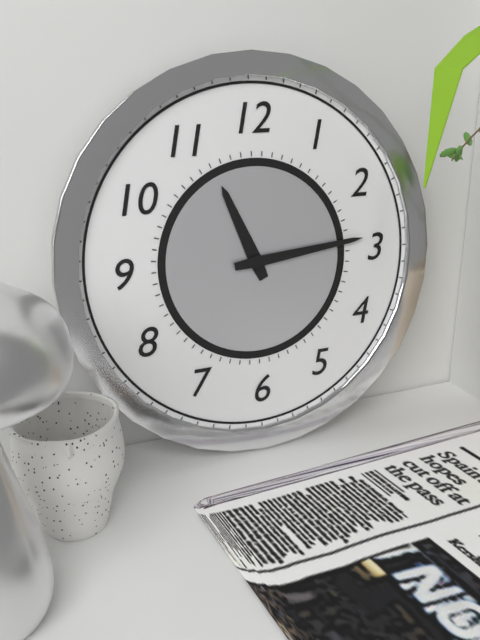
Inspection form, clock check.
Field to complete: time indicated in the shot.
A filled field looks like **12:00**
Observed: **11:14**
